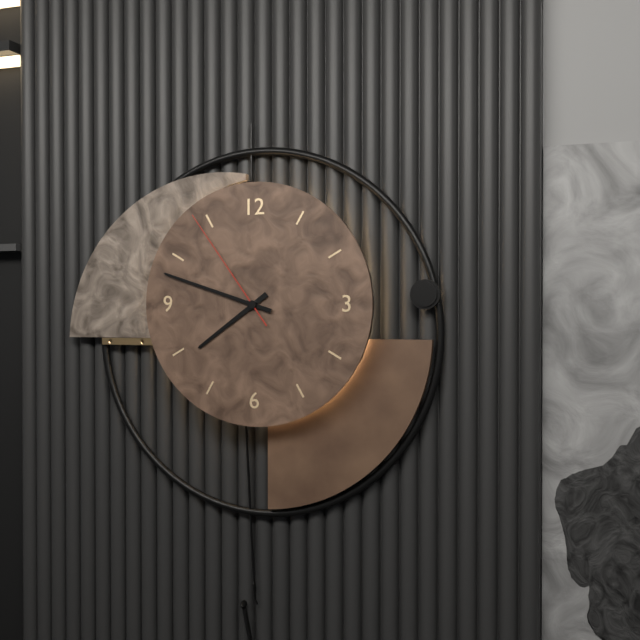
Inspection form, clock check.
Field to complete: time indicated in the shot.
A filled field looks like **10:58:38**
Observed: **7:48:54**
